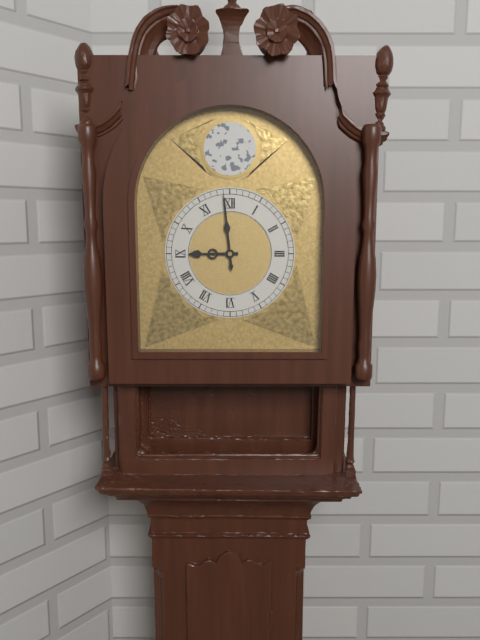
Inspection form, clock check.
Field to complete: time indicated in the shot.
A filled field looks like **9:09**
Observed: **8:59**
